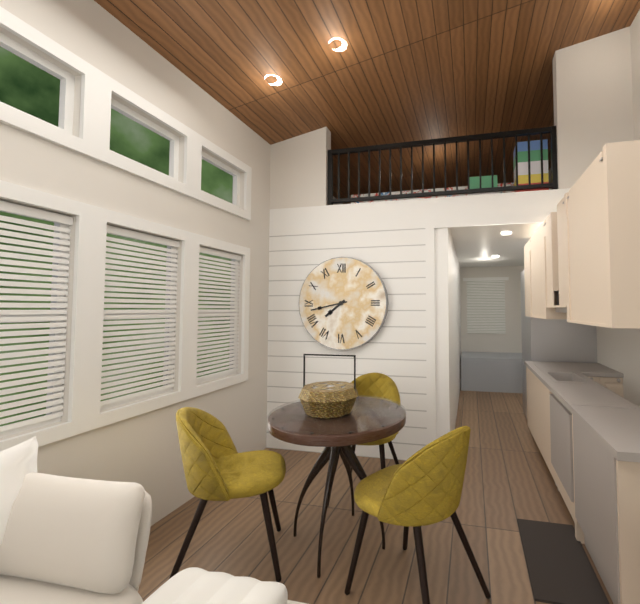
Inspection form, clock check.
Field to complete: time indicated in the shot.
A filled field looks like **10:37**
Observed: **7:43**
